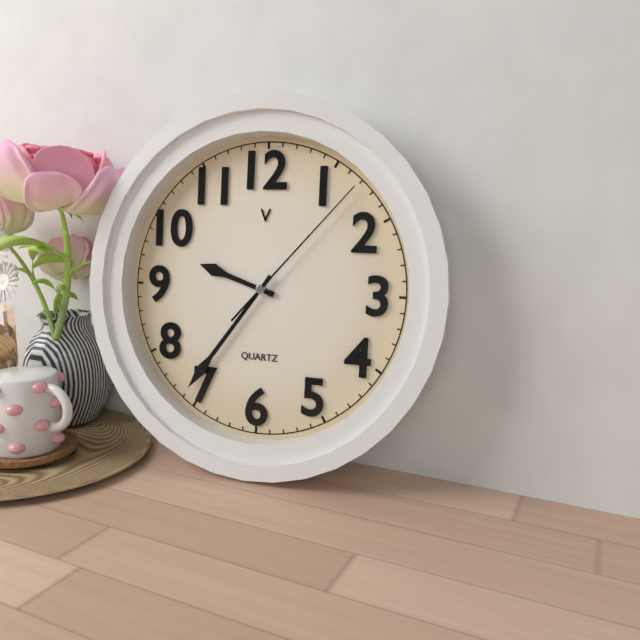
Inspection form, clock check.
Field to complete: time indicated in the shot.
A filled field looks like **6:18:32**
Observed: **9:36:07**
